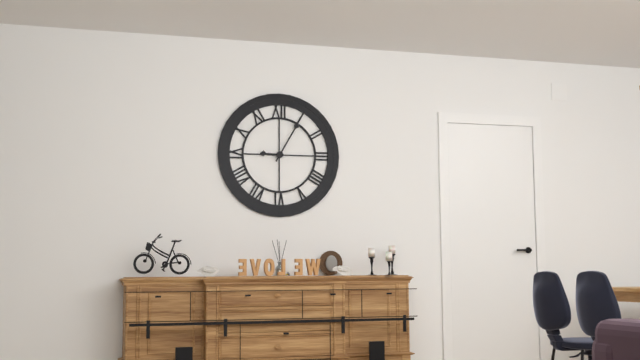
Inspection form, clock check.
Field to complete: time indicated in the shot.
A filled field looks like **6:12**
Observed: **9:05**
